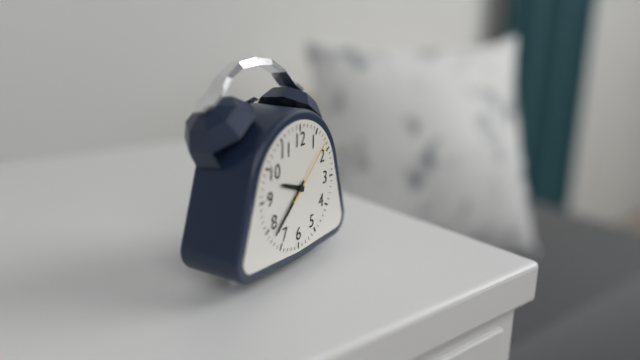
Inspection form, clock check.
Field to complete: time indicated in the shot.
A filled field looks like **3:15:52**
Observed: **9:38:08**
